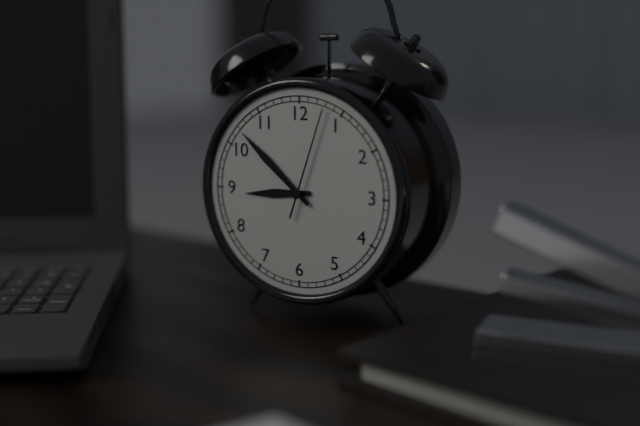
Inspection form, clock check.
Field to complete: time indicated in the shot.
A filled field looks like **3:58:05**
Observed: **8:52:03**
